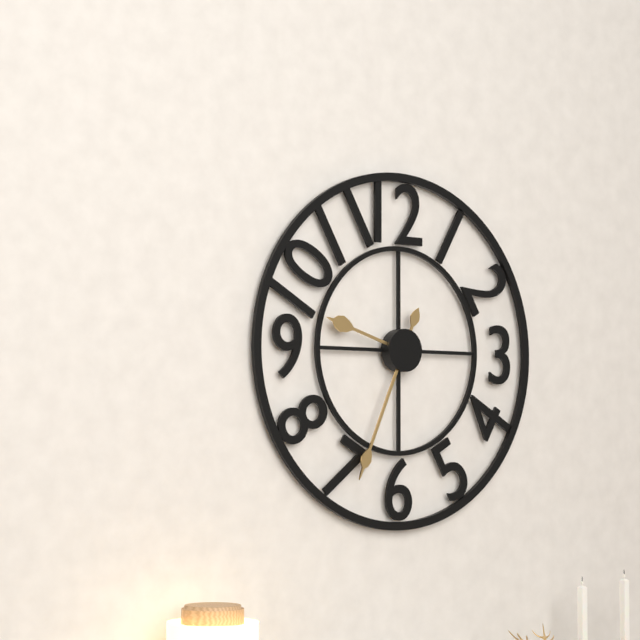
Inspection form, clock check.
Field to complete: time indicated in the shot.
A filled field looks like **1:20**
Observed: **9:34**
